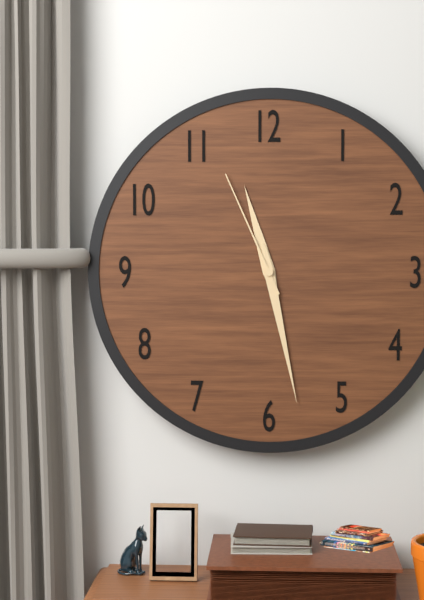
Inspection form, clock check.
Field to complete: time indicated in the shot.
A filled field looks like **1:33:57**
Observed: **11:28:56**
